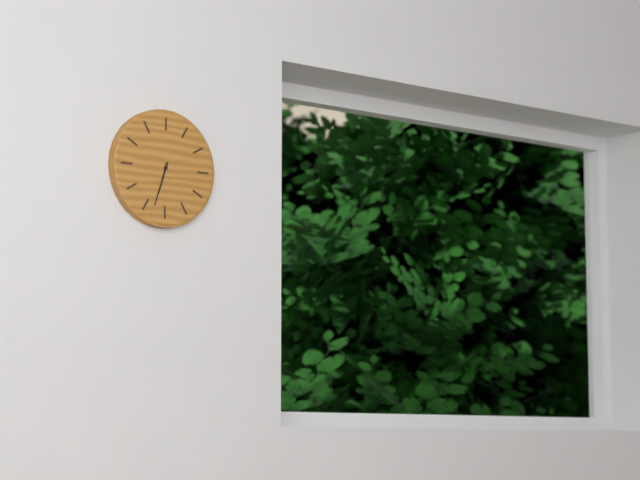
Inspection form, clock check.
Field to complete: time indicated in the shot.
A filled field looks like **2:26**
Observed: **6:33**
